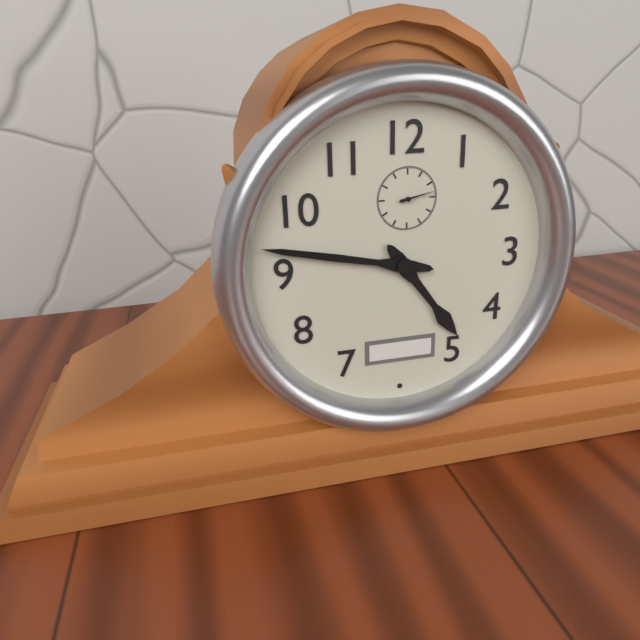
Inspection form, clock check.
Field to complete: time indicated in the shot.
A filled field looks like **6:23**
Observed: **4:47**
